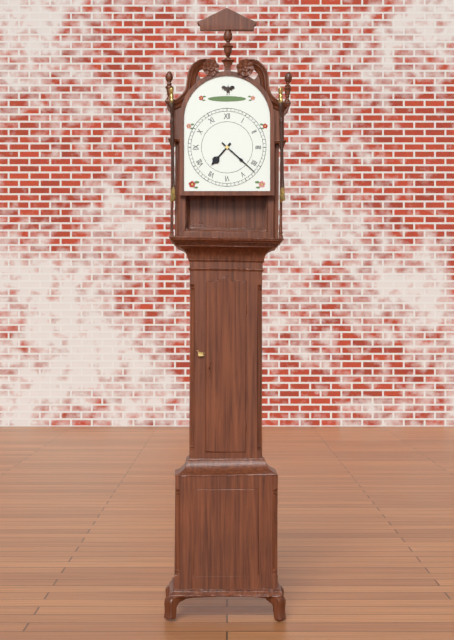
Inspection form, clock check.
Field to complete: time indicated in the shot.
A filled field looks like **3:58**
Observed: **7:22**
